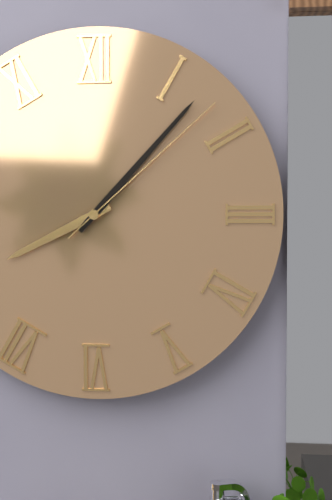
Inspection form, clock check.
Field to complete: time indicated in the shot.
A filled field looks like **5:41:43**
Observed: **8:07:08**
